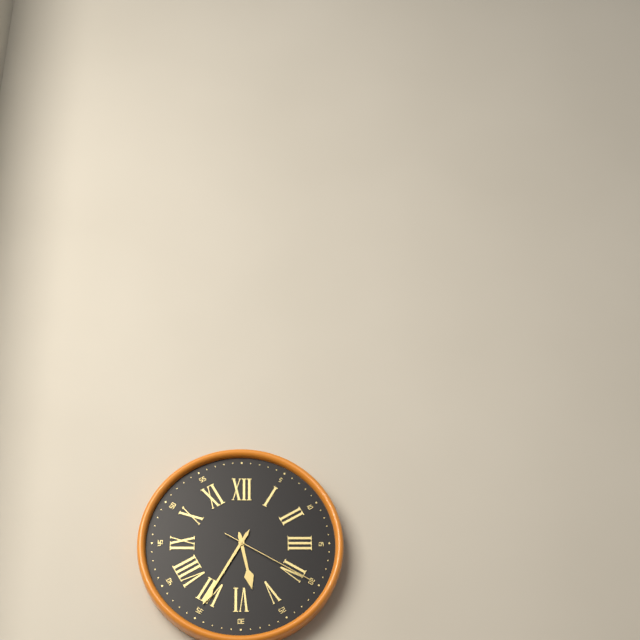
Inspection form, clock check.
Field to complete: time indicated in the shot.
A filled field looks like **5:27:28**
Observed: **5:35:20**
